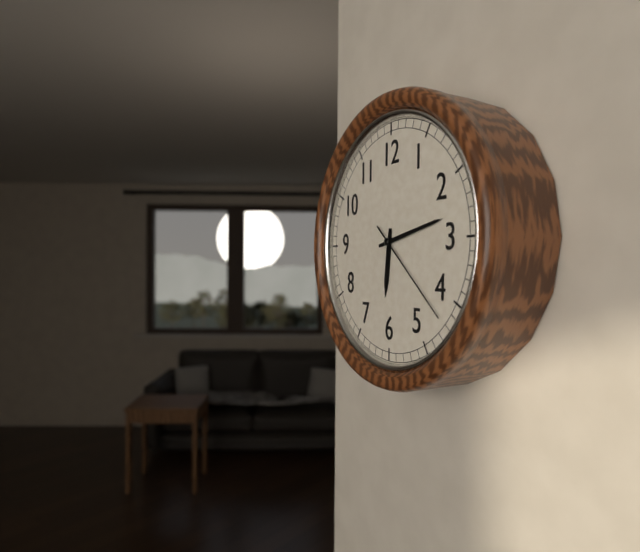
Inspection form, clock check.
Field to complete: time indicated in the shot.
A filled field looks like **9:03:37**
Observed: **6:13:22**
